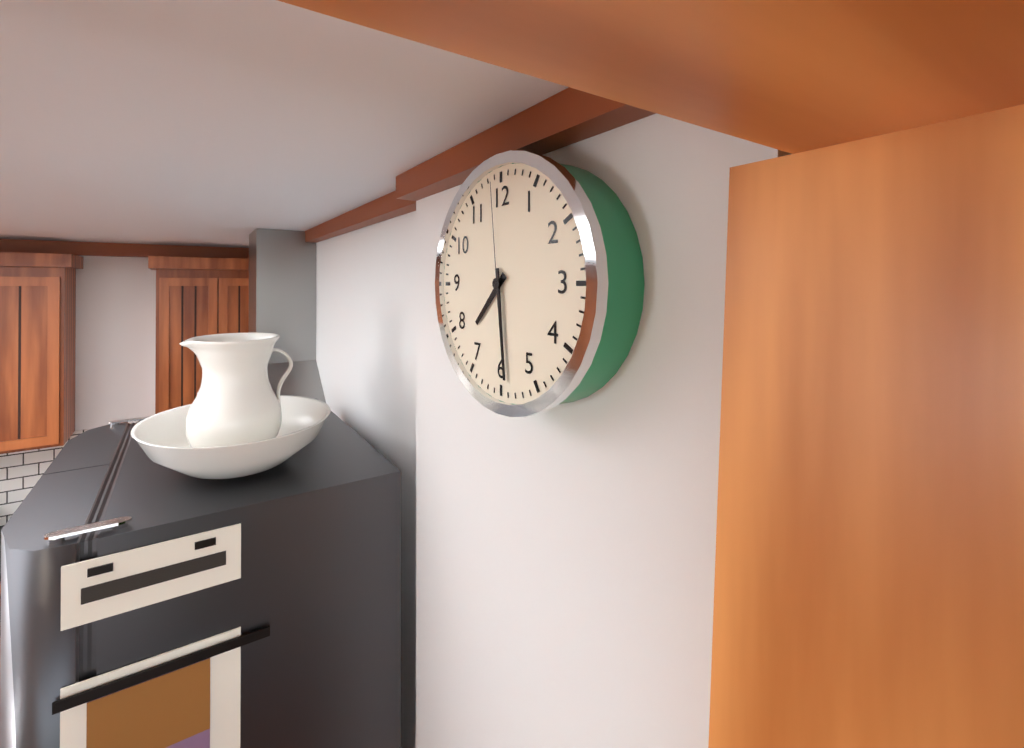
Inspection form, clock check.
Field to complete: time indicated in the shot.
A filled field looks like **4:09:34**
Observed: **7:29:59**
